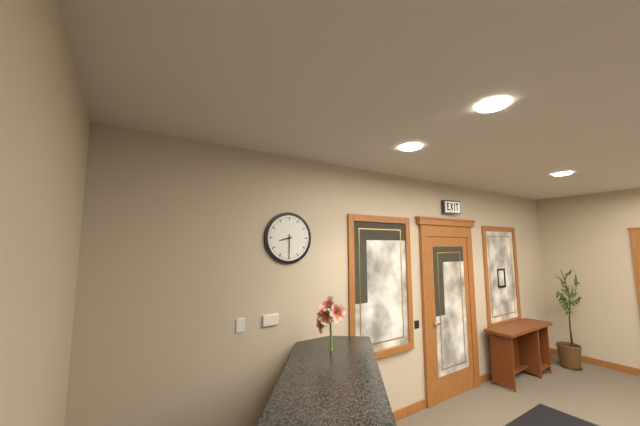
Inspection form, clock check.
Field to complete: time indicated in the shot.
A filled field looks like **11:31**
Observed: **8:30**
